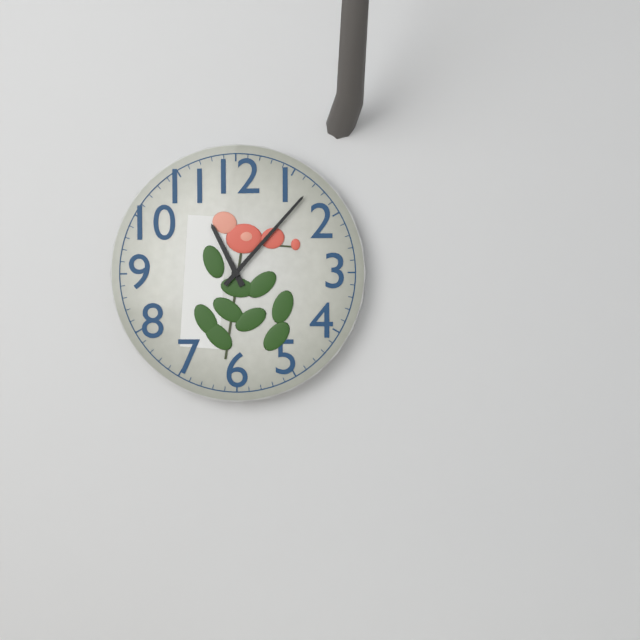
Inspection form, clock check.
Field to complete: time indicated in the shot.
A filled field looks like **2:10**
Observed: **11:07**
